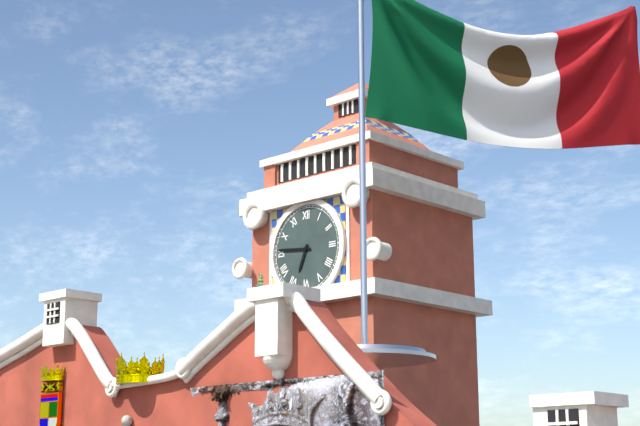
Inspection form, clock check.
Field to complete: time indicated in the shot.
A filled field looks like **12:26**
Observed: **6:46**
